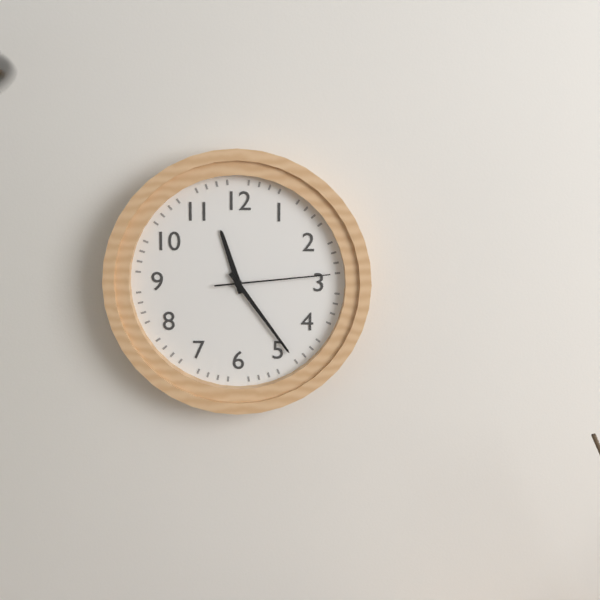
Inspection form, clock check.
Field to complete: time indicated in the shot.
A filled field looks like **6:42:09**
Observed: **11:24:14**
